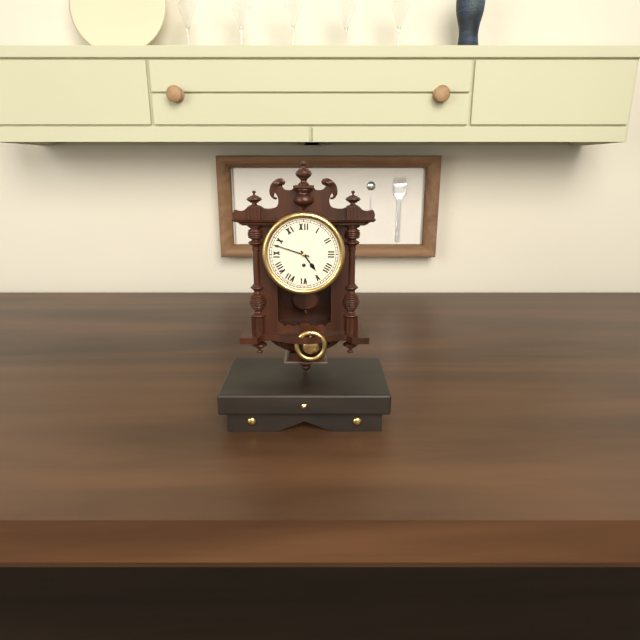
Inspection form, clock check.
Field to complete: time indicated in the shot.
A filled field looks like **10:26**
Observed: **4:48**
